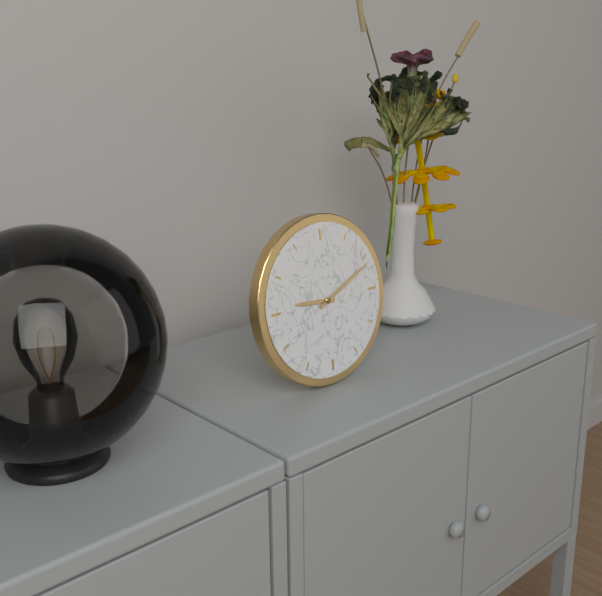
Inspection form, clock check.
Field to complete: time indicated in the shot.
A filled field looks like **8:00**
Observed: **9:11**
